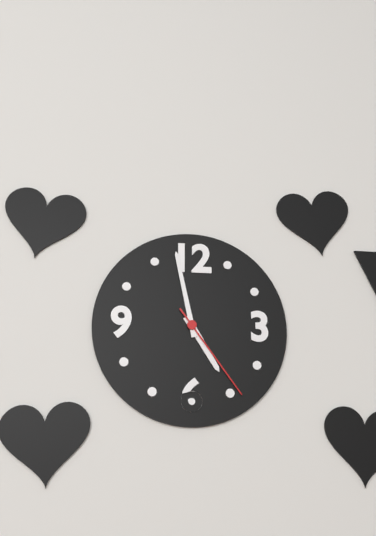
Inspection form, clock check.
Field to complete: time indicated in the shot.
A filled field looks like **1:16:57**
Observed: **4:58:24**
